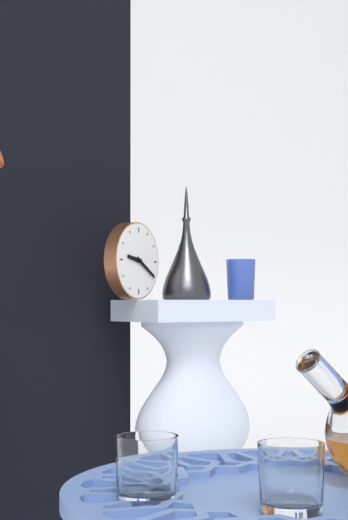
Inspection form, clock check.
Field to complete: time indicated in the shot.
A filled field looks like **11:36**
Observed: **9:20**
